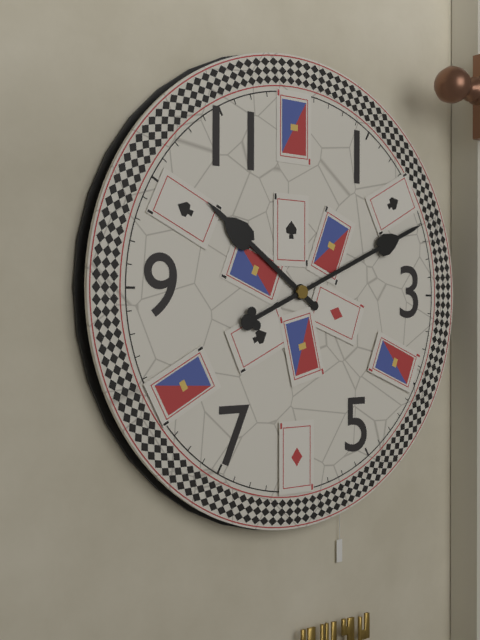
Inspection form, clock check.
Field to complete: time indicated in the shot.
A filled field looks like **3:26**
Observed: **10:11**
